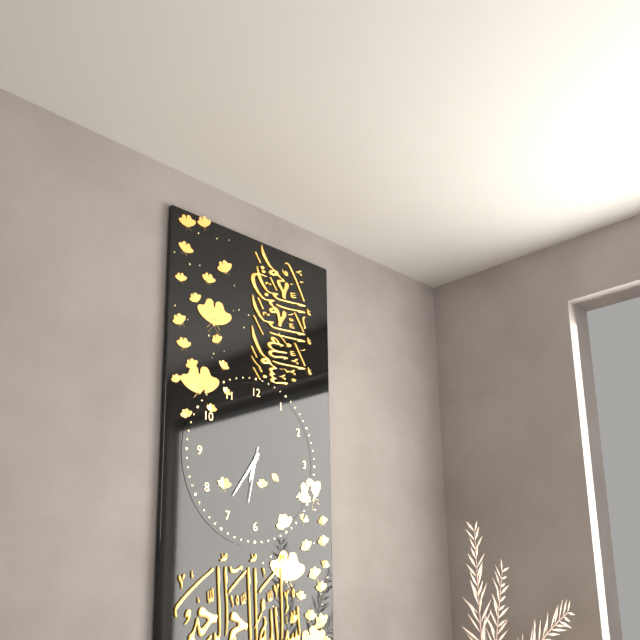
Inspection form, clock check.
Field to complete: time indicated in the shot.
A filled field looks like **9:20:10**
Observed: **6:36:32**
